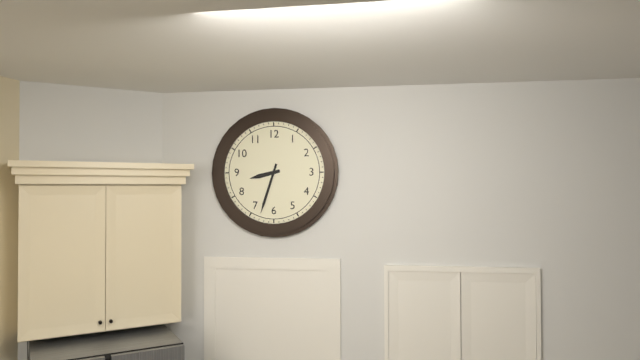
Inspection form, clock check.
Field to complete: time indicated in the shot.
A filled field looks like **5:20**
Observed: **8:33**
